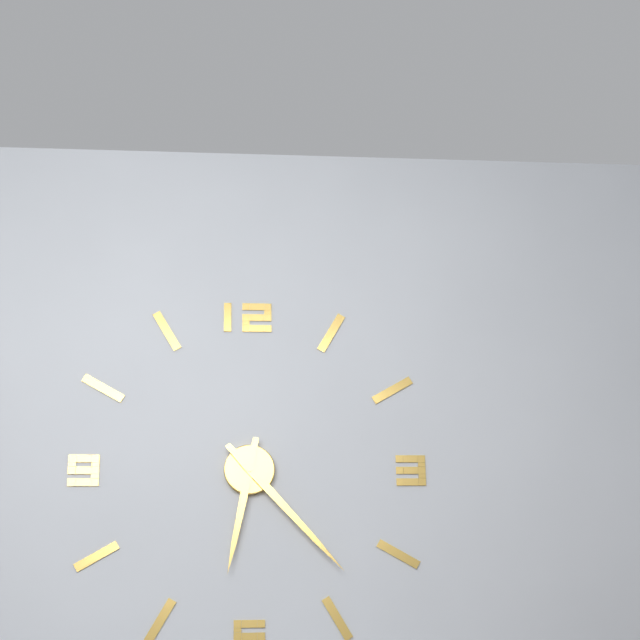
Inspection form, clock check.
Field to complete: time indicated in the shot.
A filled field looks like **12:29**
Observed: **6:23**
